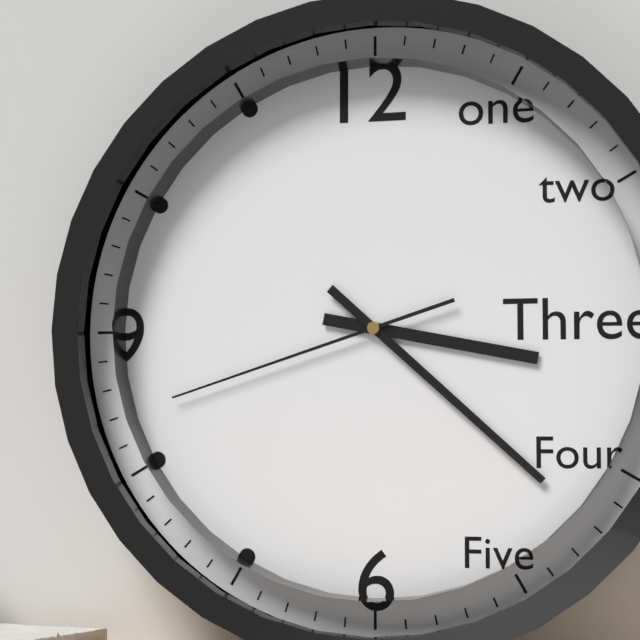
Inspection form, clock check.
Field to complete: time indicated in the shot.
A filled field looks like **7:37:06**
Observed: **3:22:42**
